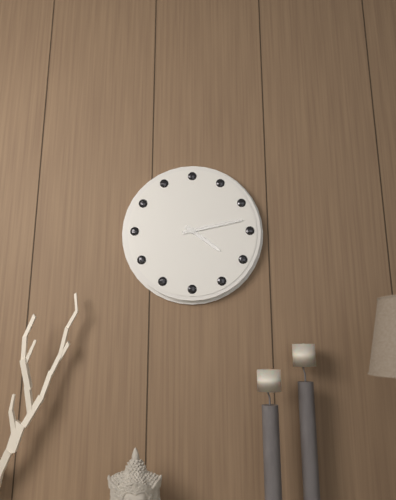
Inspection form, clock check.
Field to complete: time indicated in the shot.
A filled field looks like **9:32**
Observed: **4:13**
